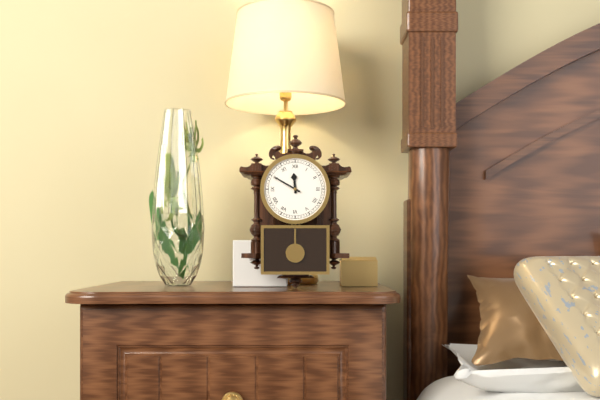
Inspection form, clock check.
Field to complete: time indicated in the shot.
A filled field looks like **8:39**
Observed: **11:50**
